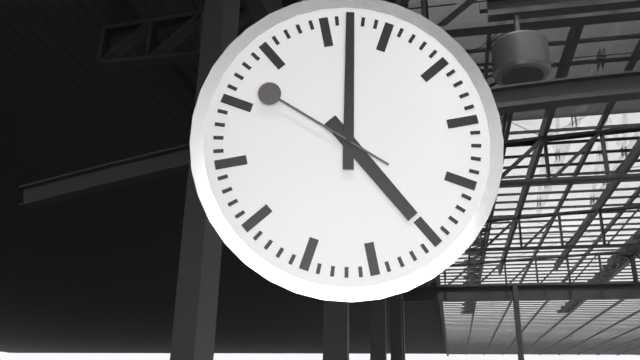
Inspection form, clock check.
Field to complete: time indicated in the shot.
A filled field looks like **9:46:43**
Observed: **5:02:52**
